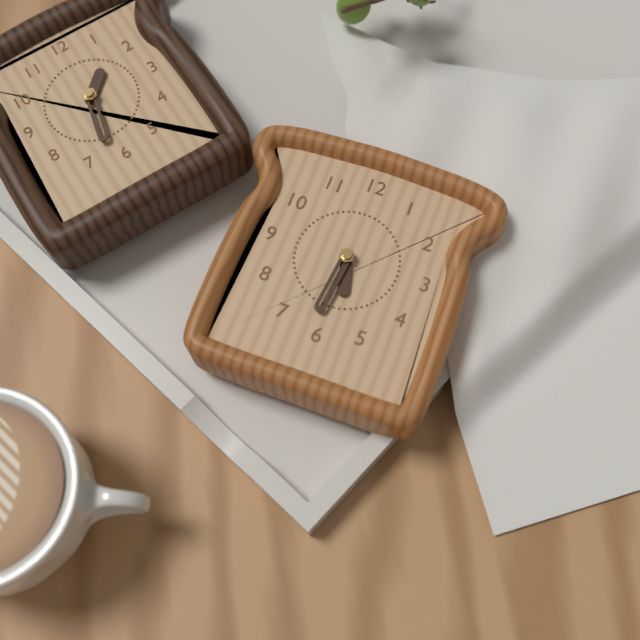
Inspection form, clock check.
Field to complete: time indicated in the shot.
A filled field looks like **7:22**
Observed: **5:31**
